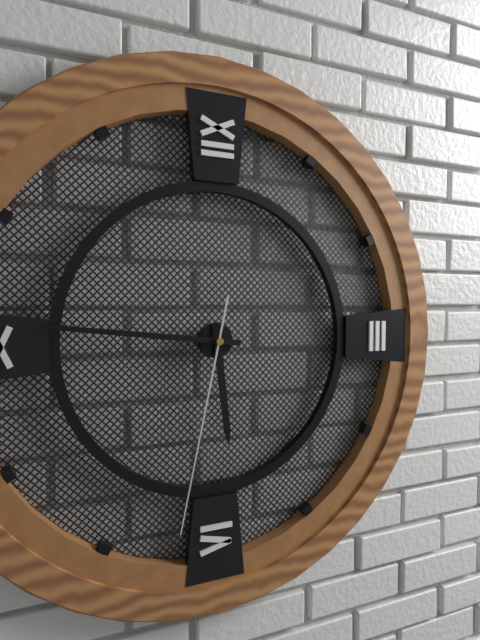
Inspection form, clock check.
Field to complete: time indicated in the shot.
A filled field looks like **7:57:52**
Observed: **5:46:32**
